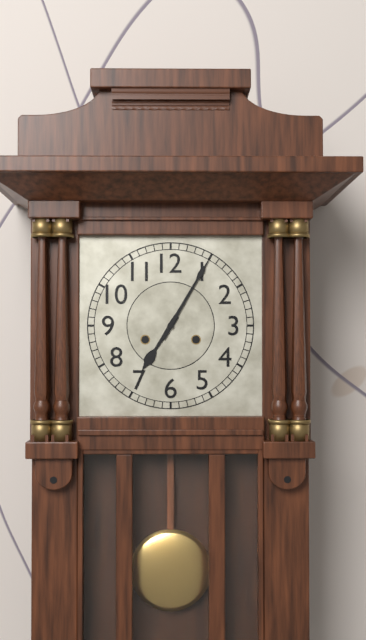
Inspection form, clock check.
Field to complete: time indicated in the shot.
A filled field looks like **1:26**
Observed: **7:05**
